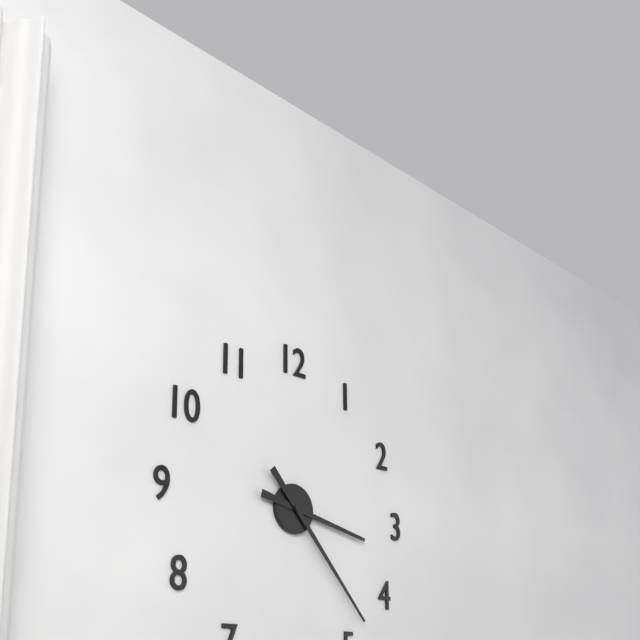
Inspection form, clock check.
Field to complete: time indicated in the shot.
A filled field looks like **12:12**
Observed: **3:23**
